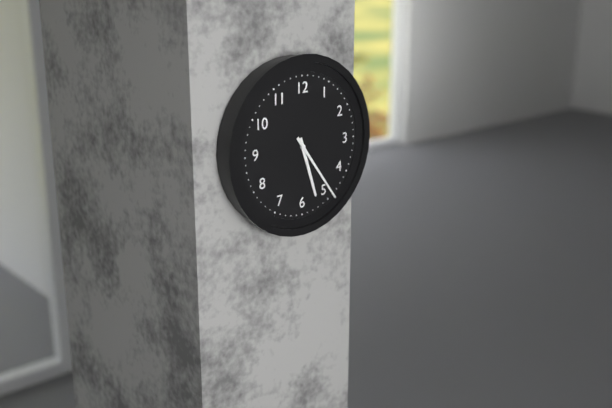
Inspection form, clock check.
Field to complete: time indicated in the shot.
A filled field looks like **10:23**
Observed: **5:24**
